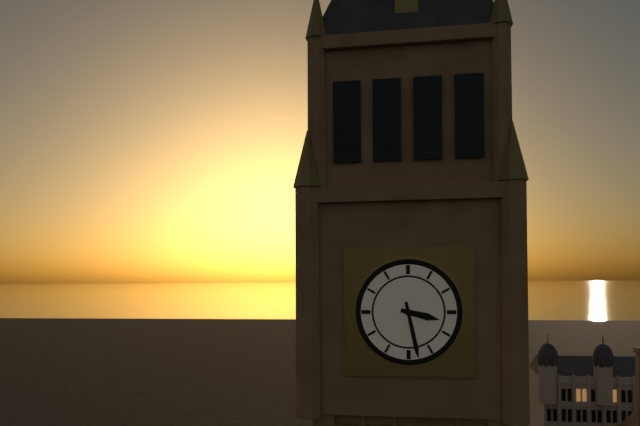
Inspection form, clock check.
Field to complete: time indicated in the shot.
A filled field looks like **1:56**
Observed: **3:28**
